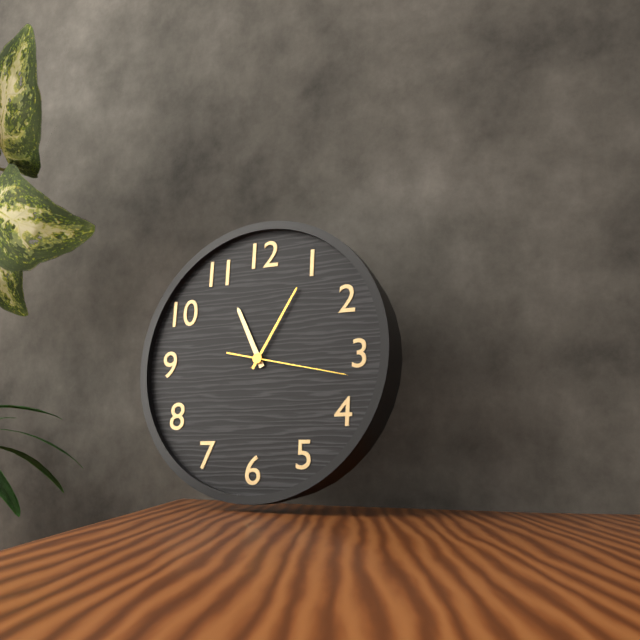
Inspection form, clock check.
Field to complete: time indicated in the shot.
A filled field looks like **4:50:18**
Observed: **11:05:17**
